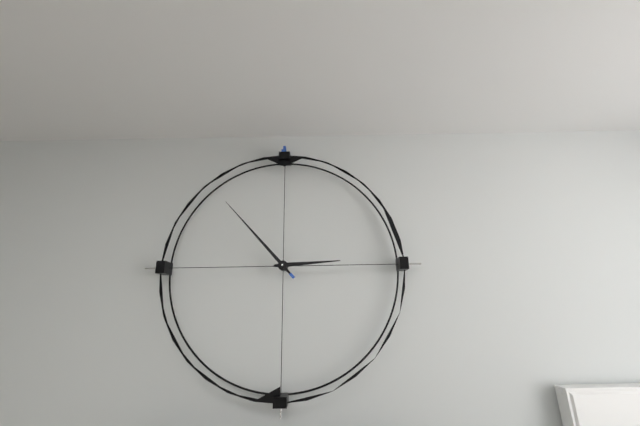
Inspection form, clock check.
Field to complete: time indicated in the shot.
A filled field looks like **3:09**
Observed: **2:53**
